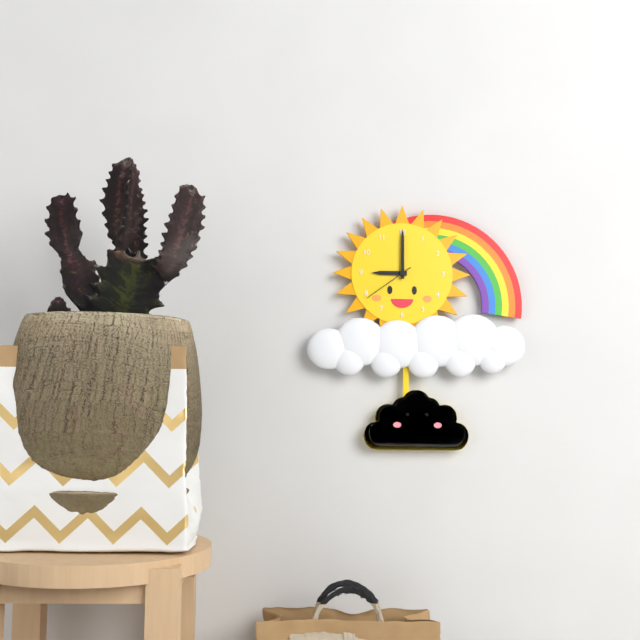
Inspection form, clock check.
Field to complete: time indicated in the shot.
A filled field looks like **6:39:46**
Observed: **9:00:39**
